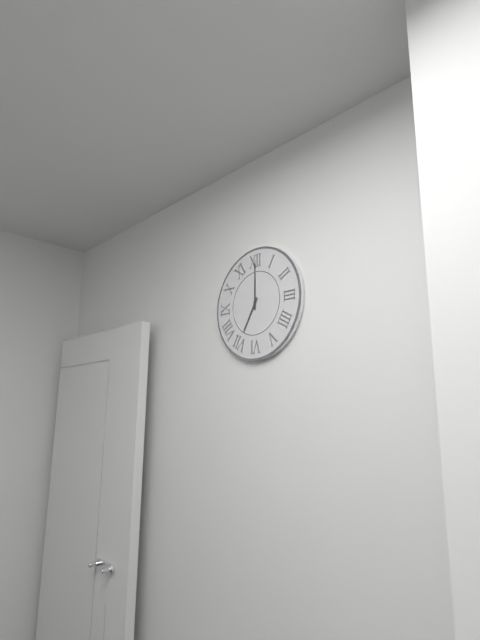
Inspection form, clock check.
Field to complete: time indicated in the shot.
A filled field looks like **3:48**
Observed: **7:00**
